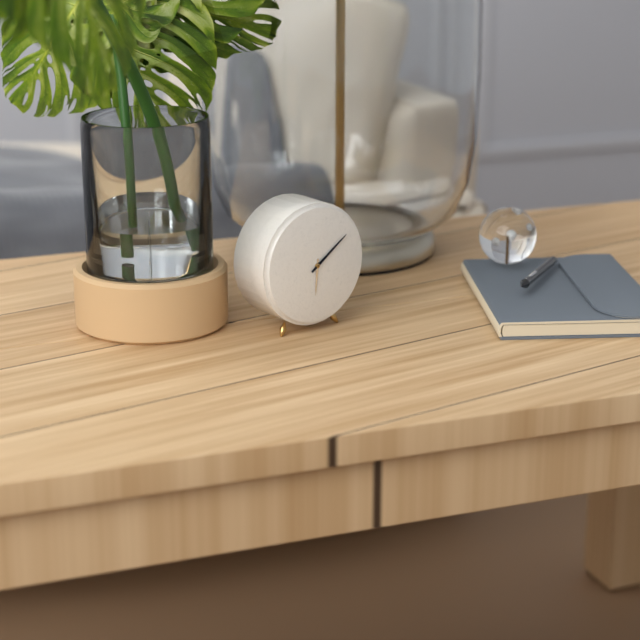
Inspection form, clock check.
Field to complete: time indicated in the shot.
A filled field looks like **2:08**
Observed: **6:09**
